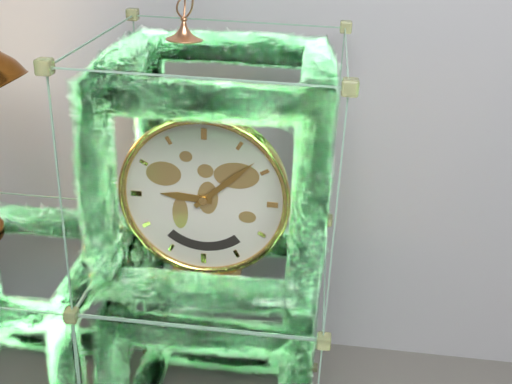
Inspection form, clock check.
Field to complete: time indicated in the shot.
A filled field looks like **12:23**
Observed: **9:08**
